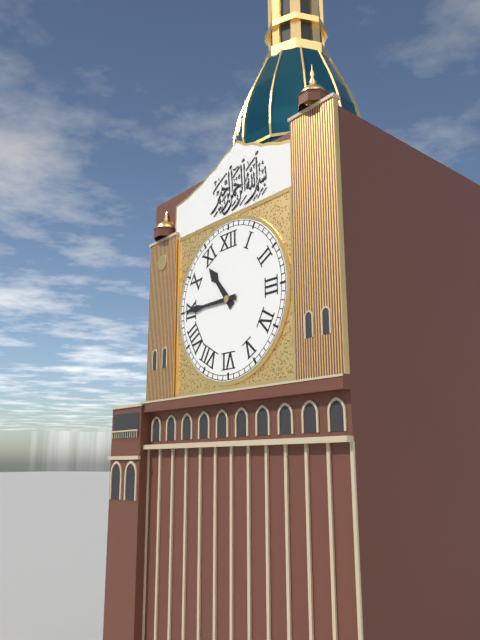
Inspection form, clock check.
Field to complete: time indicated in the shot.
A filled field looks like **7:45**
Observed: **10:45**
